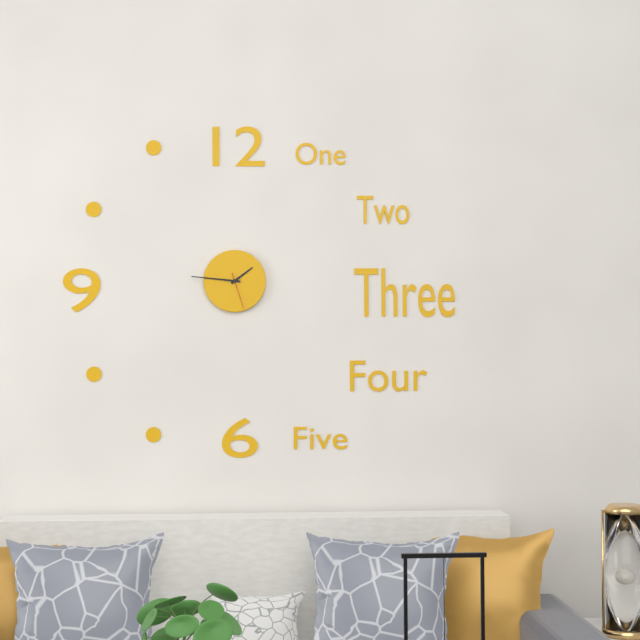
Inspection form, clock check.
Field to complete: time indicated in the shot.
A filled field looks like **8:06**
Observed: **1:46**
